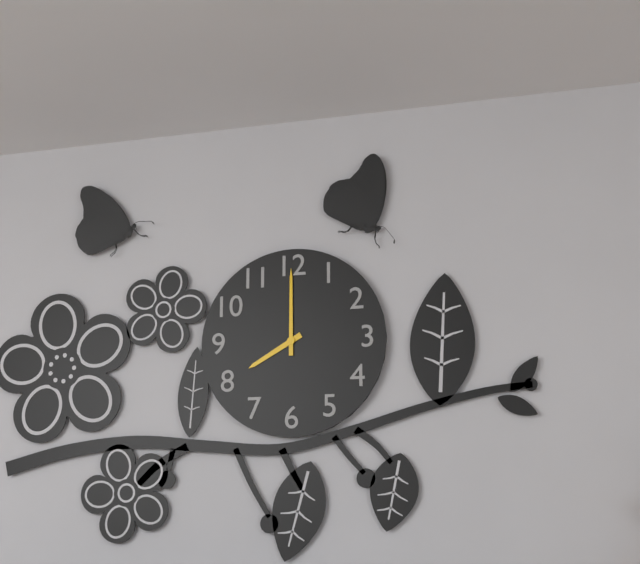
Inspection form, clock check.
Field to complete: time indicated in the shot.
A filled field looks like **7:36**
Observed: **8:00**
